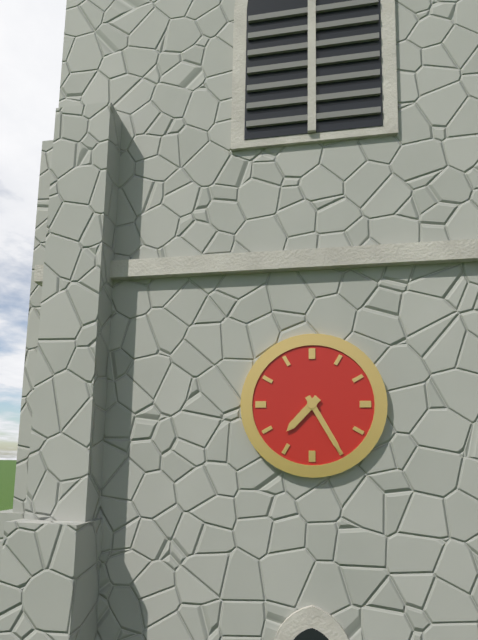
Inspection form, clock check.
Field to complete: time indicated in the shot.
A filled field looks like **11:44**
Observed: **7:25**
